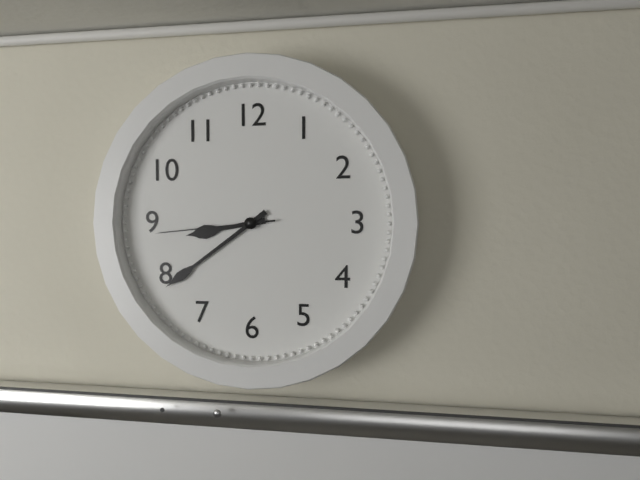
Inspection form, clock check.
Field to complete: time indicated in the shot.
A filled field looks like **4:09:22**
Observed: **8:39:44**
